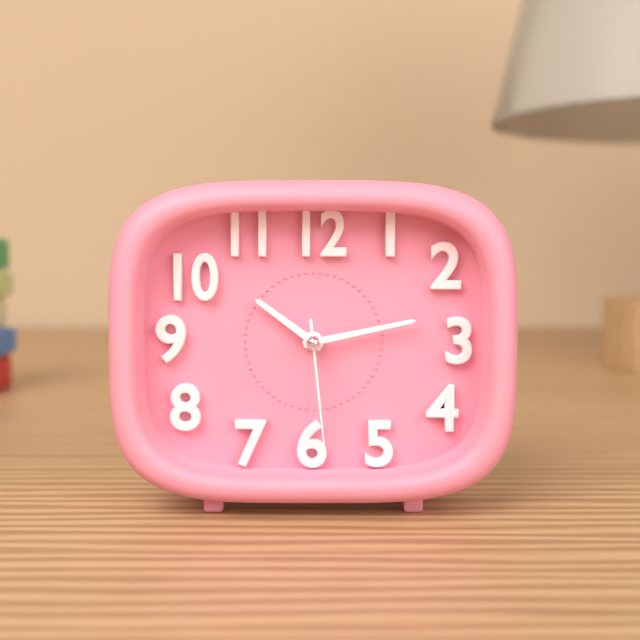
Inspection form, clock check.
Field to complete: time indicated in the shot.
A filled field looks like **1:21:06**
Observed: **10:13:29**
